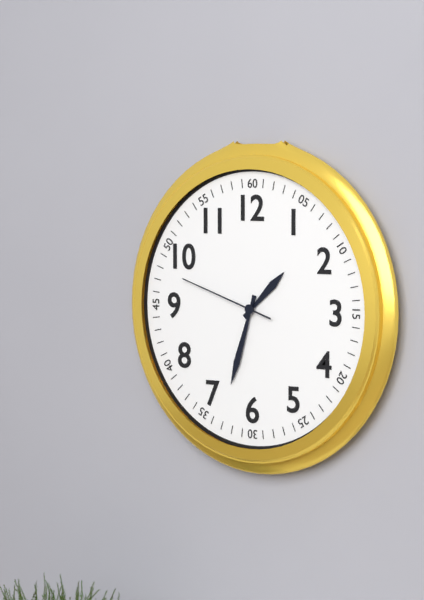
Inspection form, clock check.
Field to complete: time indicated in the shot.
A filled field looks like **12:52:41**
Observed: **1:33:48**
